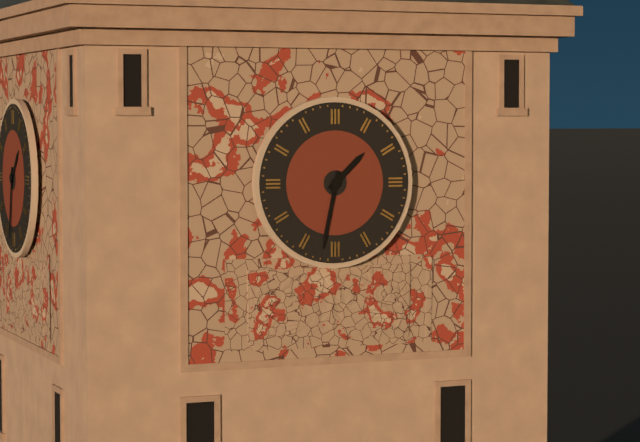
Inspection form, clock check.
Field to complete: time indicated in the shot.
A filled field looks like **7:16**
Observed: **1:32**
